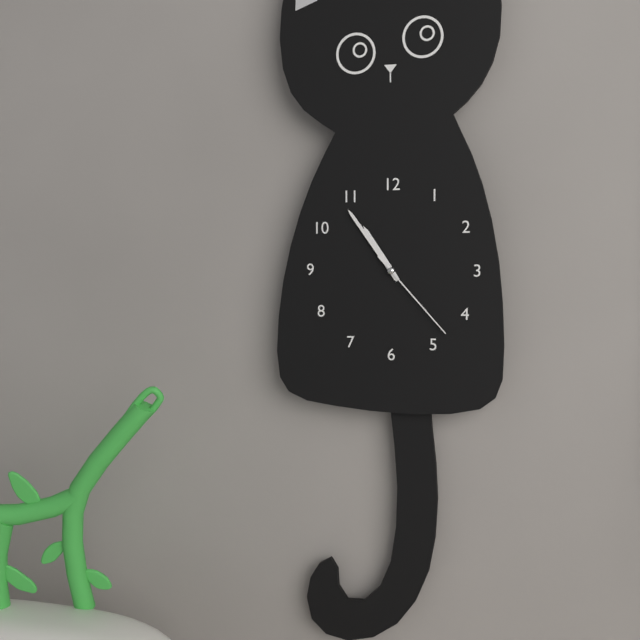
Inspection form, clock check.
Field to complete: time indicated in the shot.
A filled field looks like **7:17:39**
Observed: **10:54:23**
